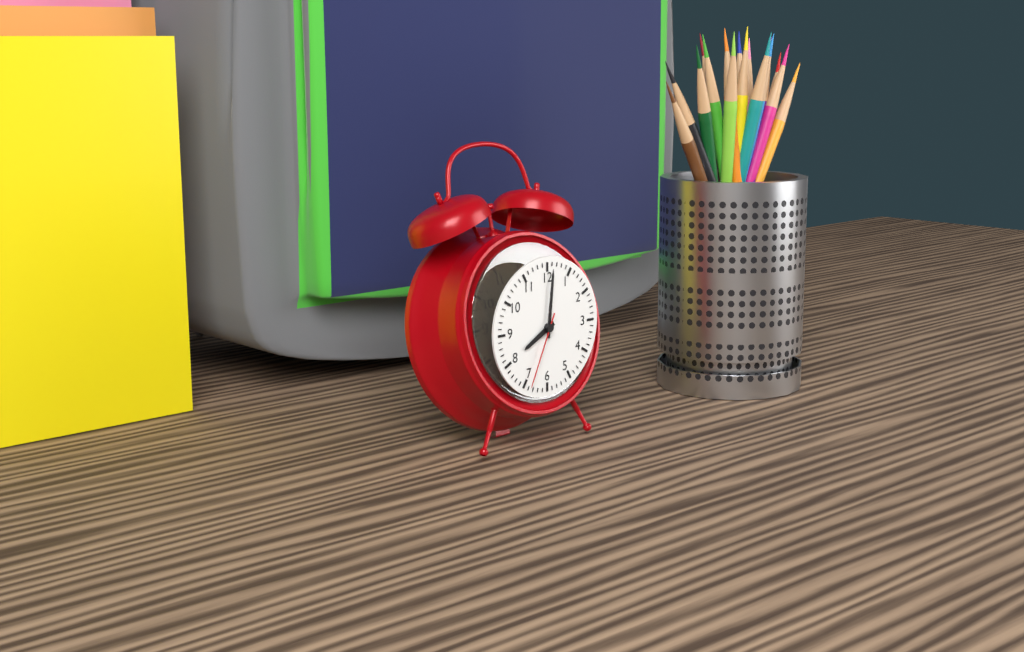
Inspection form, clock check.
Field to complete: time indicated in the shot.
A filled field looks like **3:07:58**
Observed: **8:01:34**
